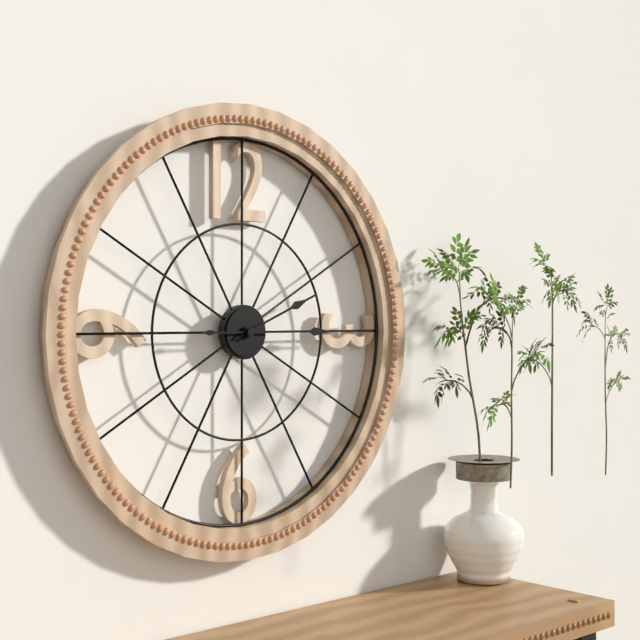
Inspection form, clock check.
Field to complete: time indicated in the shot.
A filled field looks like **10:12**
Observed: **2:15**
